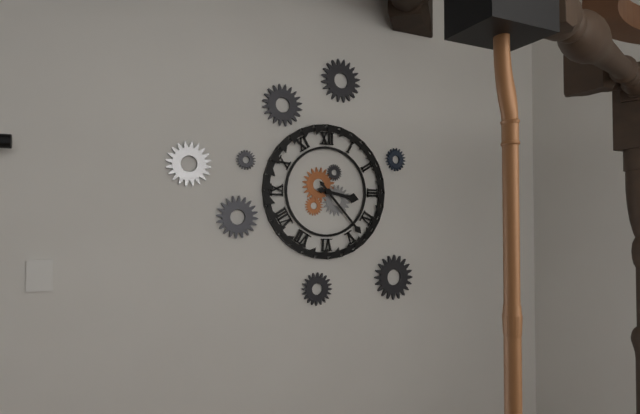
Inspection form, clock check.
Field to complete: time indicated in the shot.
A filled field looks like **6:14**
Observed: **3:23**
